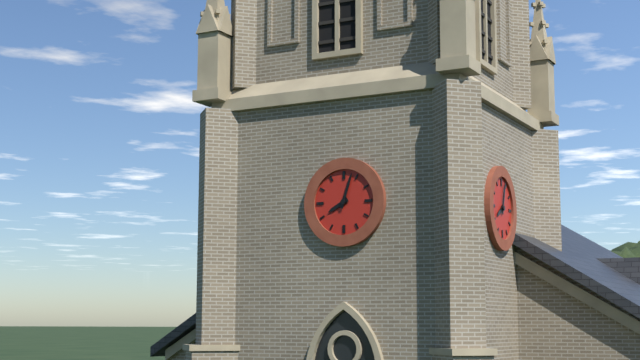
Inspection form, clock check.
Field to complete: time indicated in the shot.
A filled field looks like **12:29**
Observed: **8:03**
